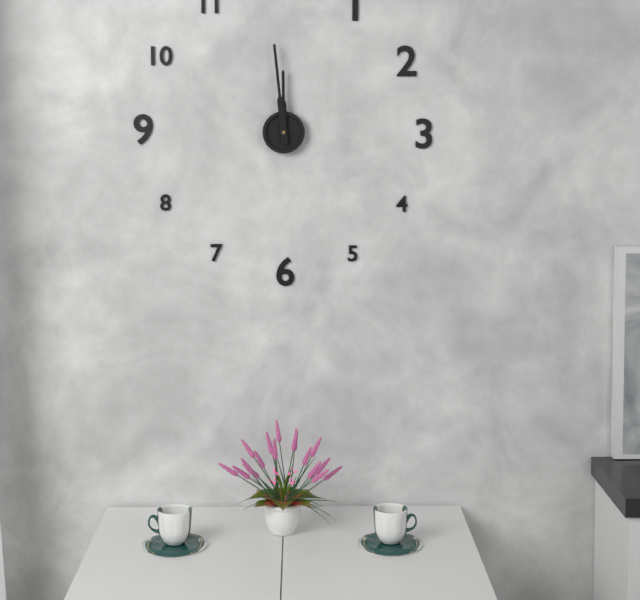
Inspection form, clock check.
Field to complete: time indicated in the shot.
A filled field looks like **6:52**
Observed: **11:59**
